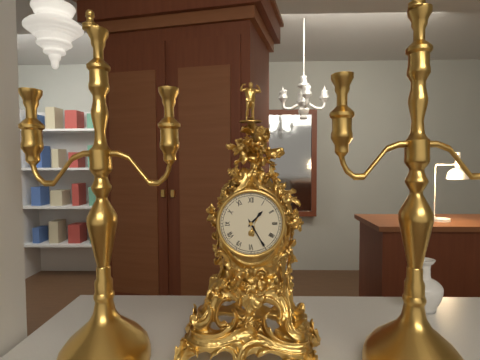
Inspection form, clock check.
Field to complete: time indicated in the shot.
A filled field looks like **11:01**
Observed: **1:25**
